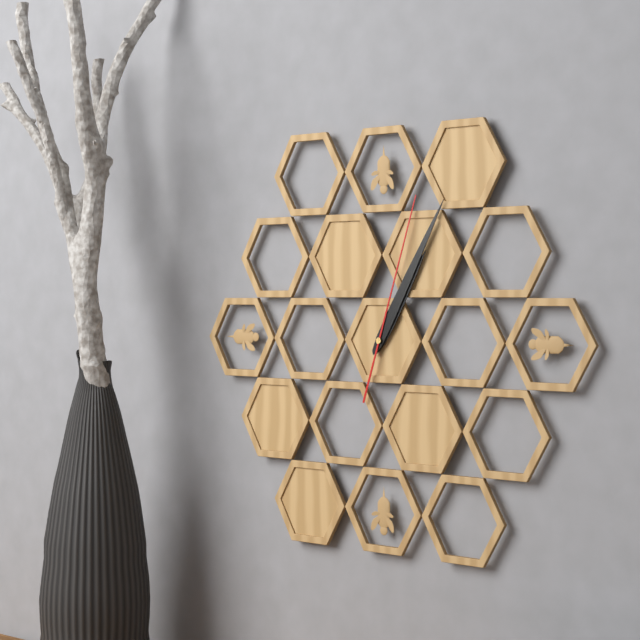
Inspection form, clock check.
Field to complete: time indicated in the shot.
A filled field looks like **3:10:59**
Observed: **1:05:03**
